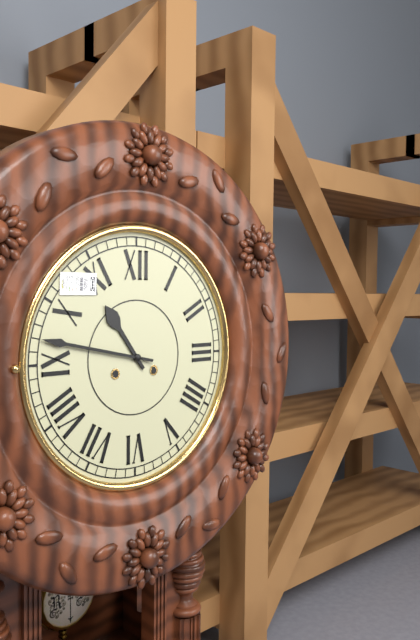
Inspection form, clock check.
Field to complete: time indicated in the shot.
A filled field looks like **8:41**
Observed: **10:47**
